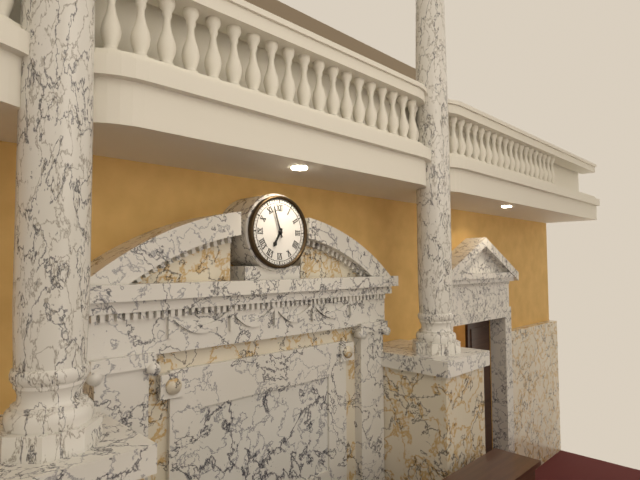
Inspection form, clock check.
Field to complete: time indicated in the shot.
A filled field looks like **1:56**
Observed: **6:57**
